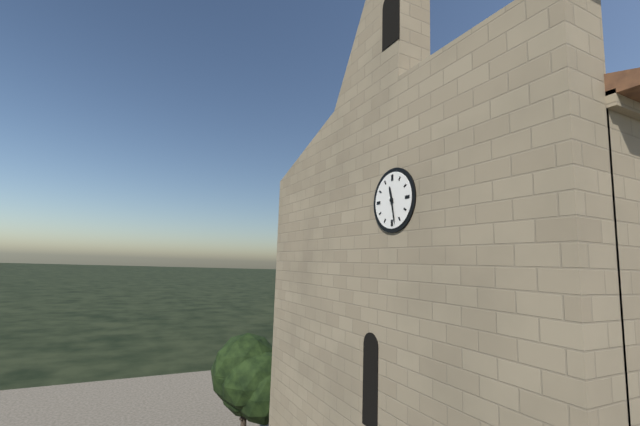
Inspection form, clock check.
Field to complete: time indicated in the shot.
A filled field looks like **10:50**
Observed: **11:28**
